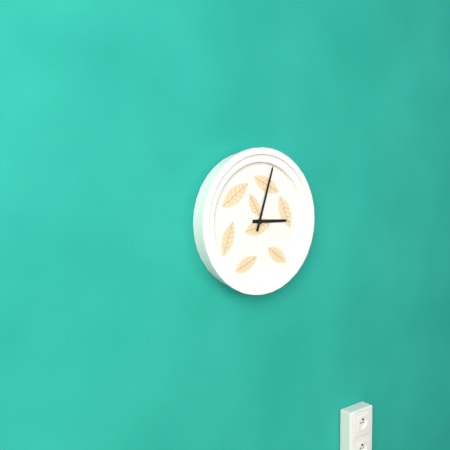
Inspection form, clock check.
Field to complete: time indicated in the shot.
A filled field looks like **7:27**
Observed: **3:03**
